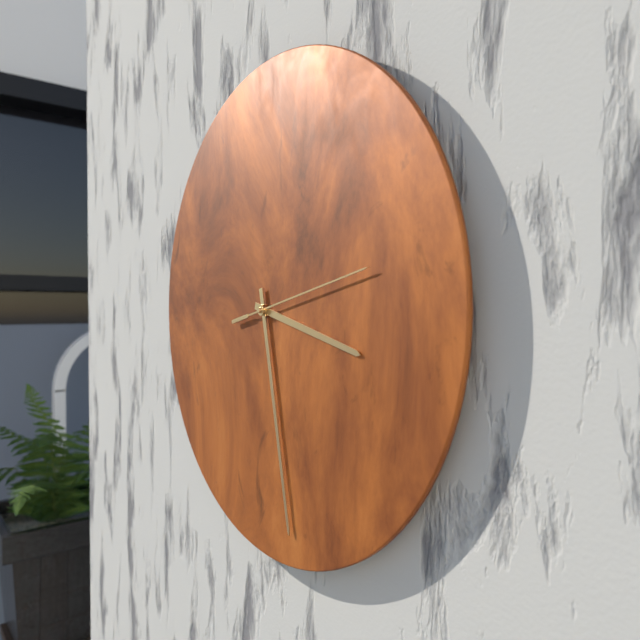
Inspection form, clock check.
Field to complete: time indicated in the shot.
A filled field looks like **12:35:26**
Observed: **3:28:13**
